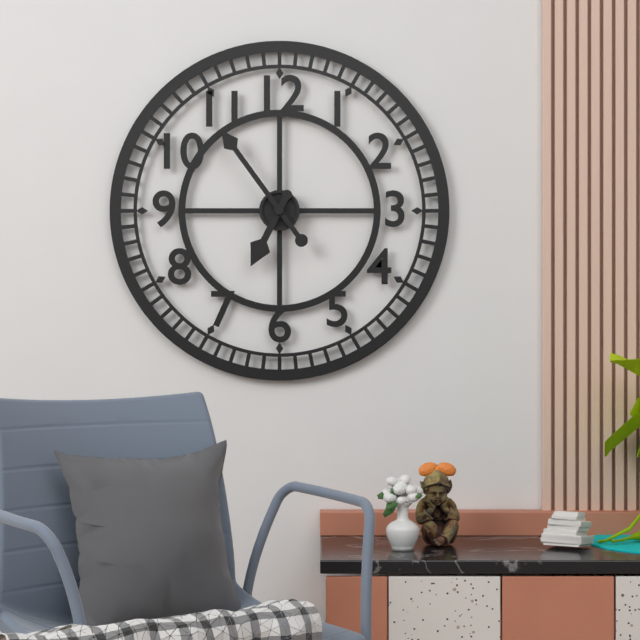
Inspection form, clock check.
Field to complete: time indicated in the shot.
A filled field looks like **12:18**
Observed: **6:54**
